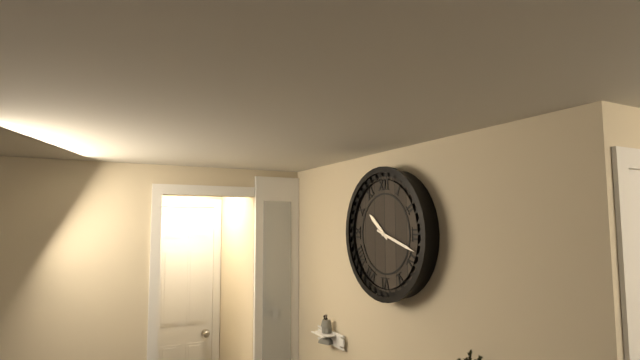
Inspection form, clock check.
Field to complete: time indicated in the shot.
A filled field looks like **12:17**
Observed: **10:18**
